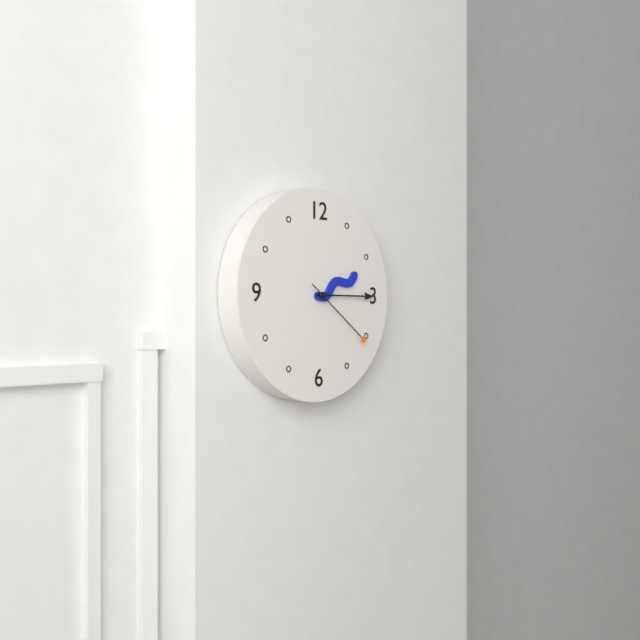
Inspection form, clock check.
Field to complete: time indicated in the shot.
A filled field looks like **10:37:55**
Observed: **2:15:21**
